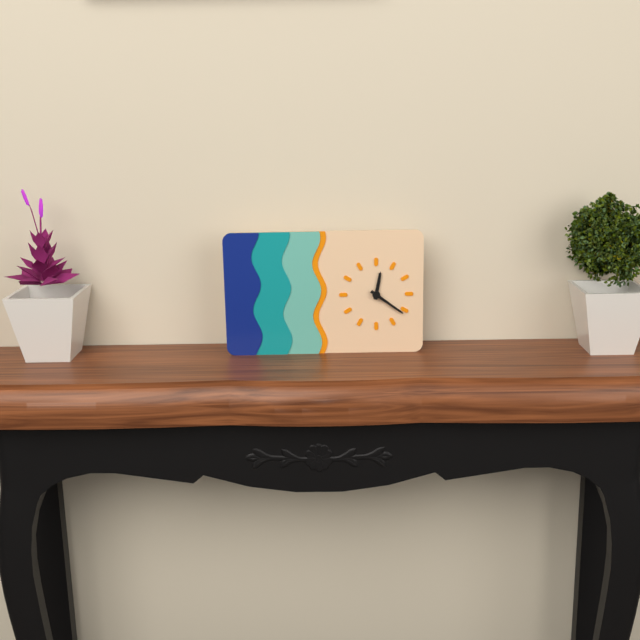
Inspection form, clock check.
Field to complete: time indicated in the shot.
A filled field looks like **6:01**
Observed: **12:21**
